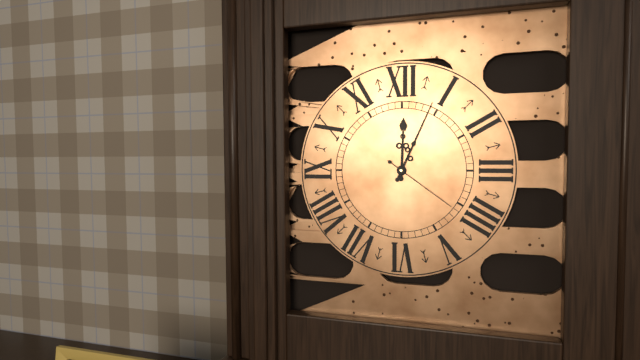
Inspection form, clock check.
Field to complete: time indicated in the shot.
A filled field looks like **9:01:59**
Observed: **12:04:21**
